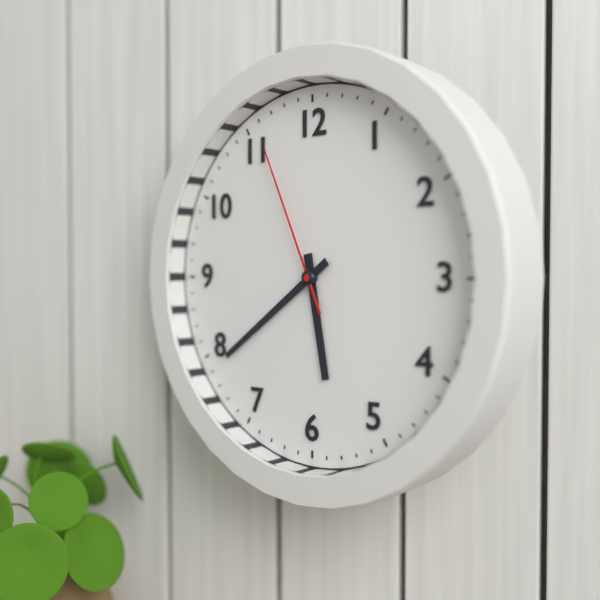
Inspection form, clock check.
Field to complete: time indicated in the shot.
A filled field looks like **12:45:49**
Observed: **5:39:56**
